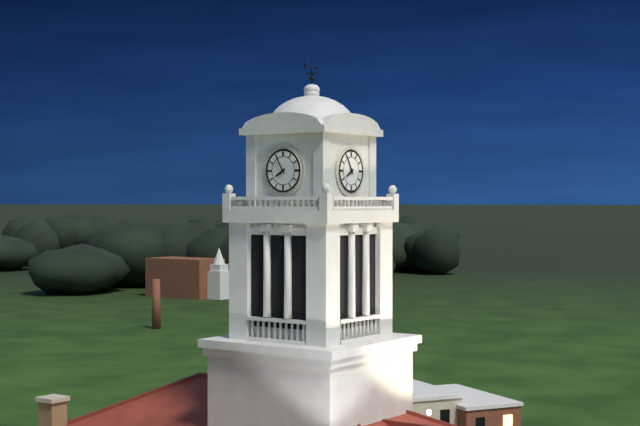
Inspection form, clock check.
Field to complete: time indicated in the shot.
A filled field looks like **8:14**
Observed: **7:55**
